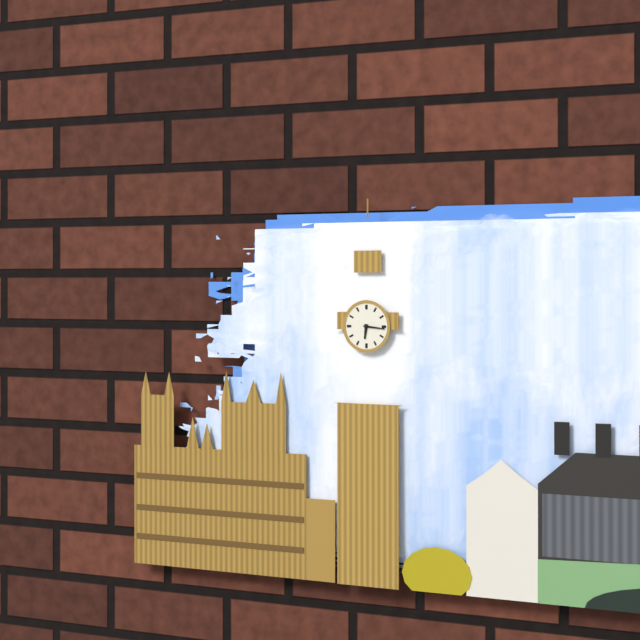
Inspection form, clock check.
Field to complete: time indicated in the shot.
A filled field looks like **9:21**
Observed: **6:16**
